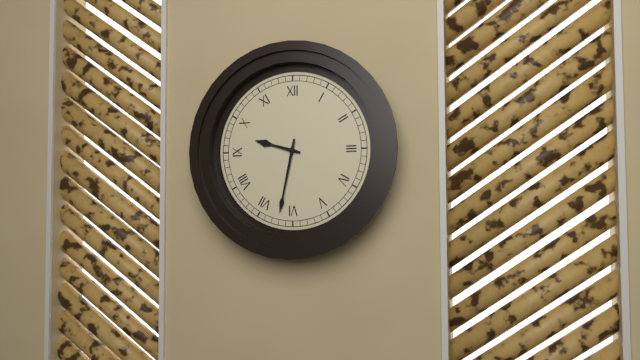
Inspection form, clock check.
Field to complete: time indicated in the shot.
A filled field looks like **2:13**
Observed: **9:32**
